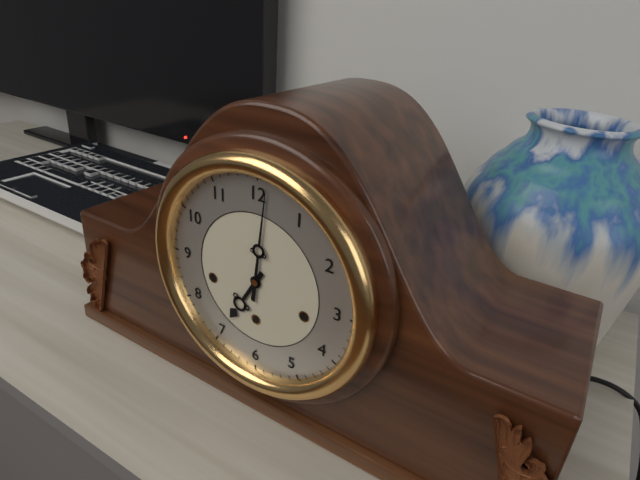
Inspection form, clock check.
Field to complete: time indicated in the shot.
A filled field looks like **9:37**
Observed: **7:01**
